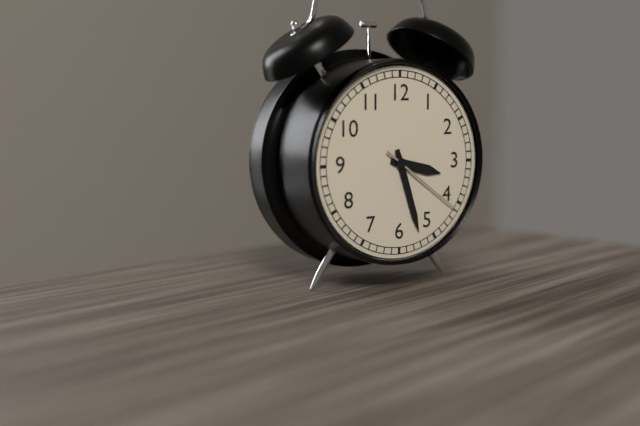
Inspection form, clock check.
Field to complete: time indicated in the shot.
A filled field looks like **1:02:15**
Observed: **3:27:21**
